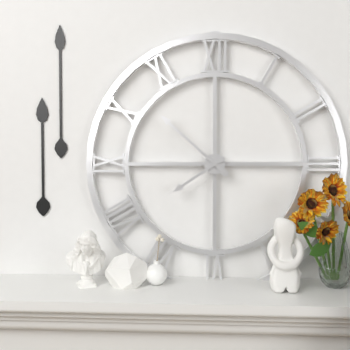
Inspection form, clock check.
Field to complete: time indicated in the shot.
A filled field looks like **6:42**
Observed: **7:52**
